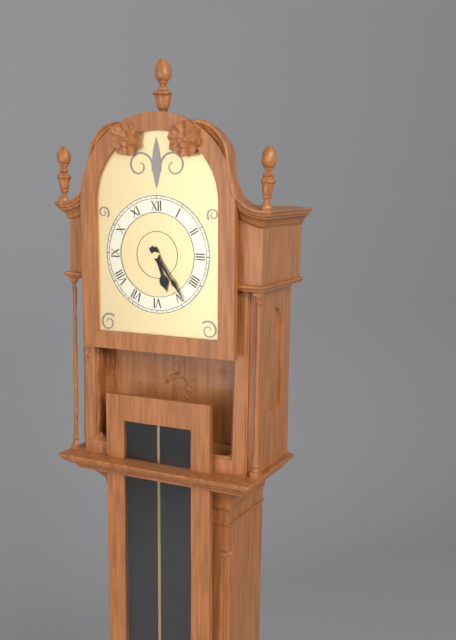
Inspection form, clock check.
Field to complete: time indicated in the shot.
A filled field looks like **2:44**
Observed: **5:24**
